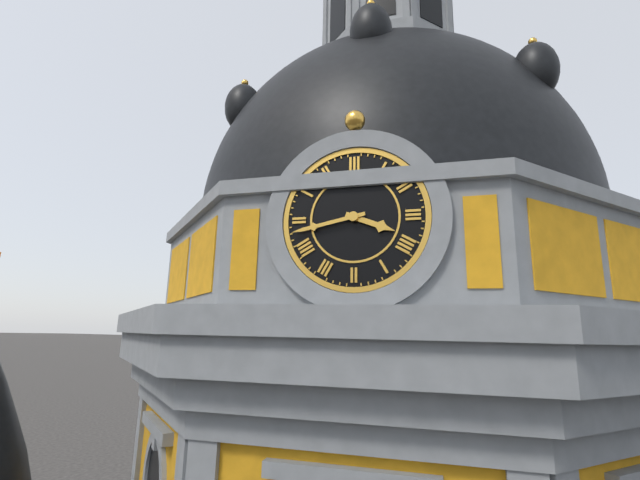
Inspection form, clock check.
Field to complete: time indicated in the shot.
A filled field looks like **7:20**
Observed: **3:43**
